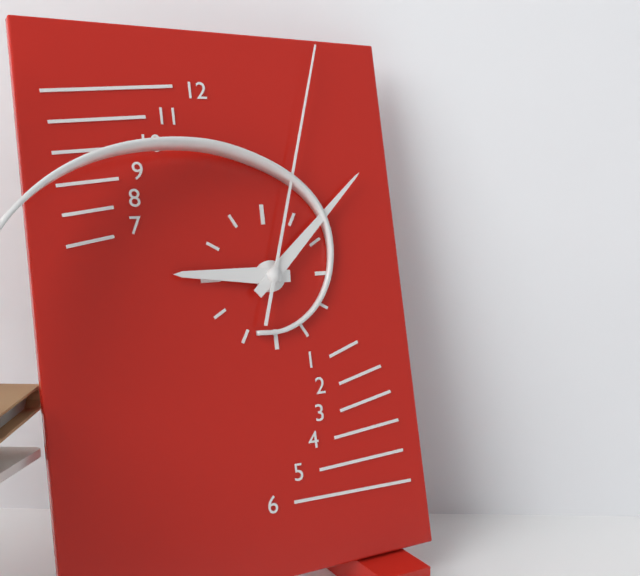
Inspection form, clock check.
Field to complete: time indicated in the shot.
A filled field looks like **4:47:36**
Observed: **9:08:03**
